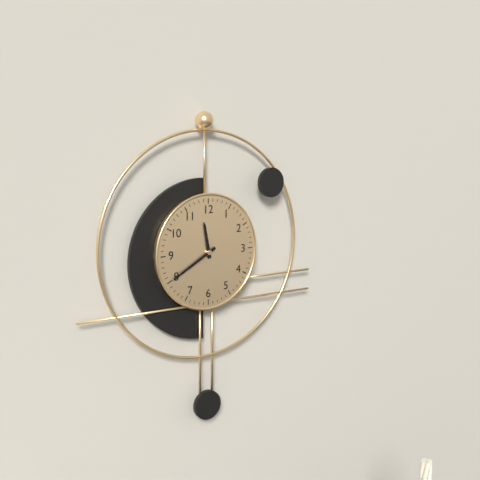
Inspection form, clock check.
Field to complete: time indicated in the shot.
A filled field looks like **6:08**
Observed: **11:40**
